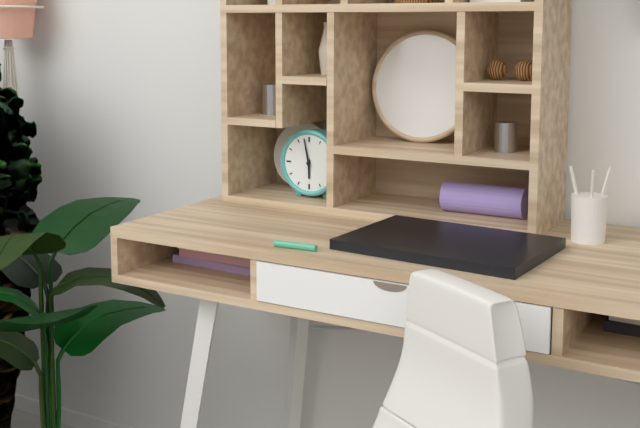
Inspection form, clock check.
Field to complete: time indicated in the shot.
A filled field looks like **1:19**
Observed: **5:58**
